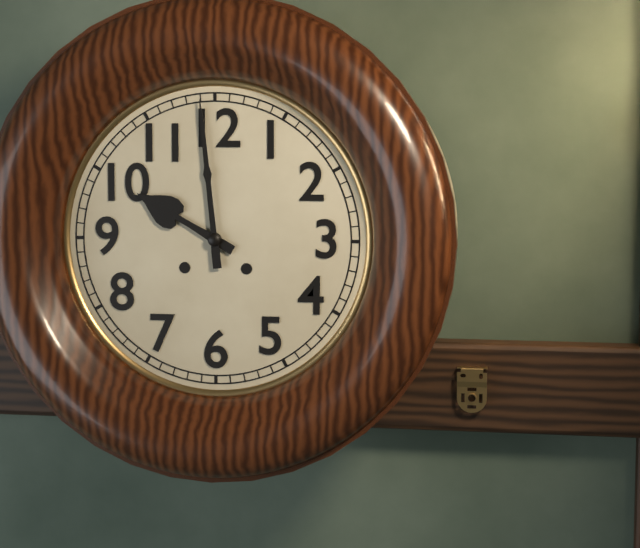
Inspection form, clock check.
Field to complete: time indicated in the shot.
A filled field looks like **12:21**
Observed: **9:59**
